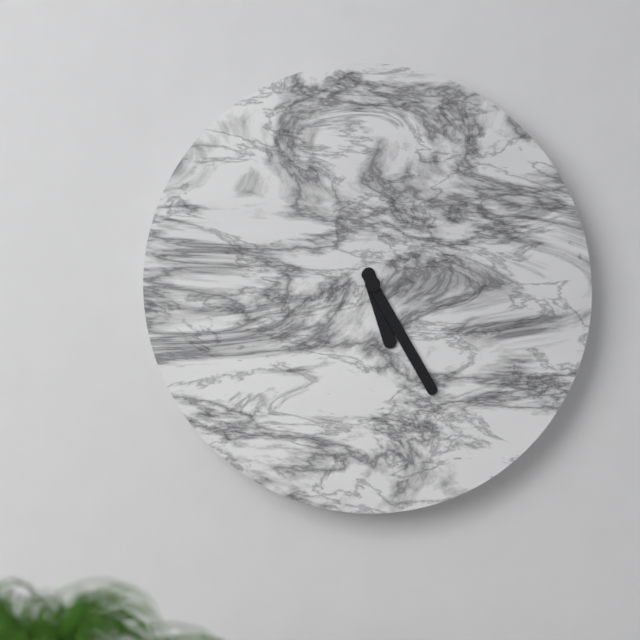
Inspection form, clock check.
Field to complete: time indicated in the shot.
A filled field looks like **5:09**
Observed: **5:25**
